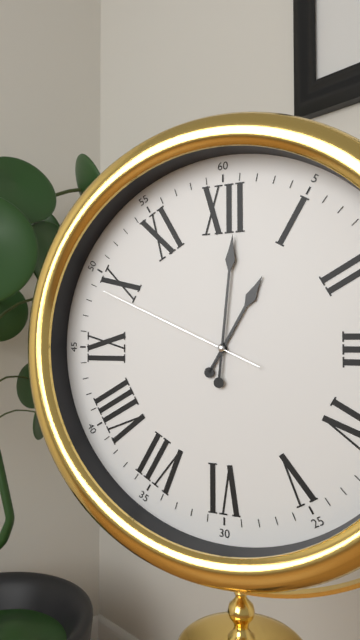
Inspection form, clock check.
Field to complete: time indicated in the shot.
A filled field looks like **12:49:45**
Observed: **1:01:49**
